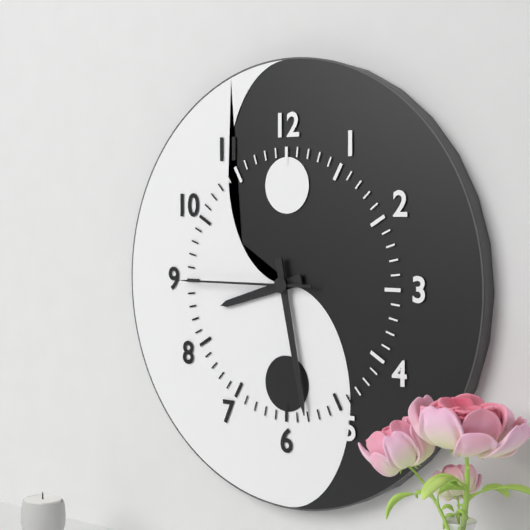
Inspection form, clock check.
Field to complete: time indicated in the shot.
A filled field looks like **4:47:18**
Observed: **8:28:45**
